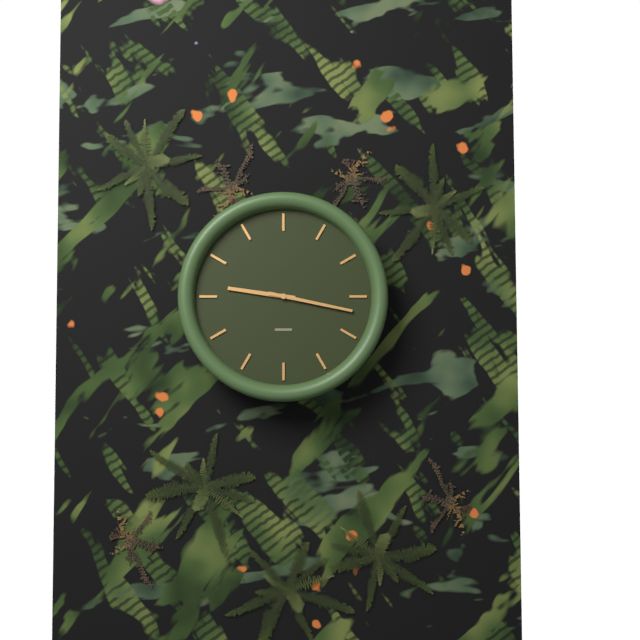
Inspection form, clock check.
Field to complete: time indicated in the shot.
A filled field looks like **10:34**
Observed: **9:17**
